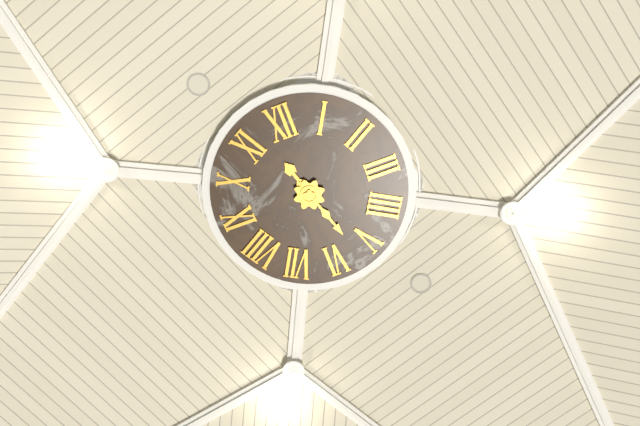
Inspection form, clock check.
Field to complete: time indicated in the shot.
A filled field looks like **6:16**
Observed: **11:27**
